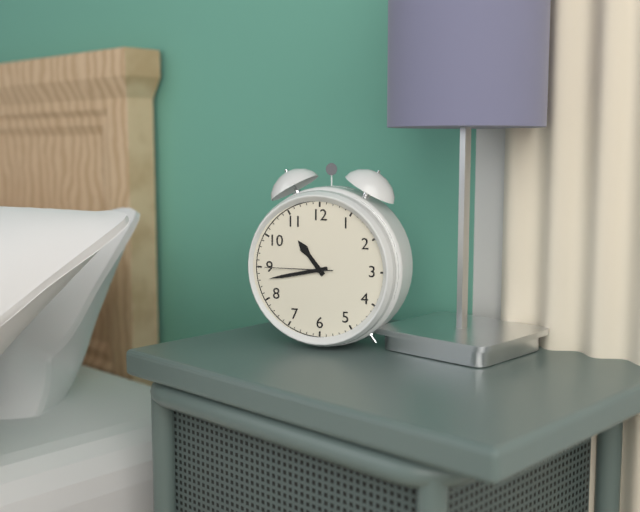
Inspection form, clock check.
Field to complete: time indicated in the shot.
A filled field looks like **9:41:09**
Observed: **10:43:45**
